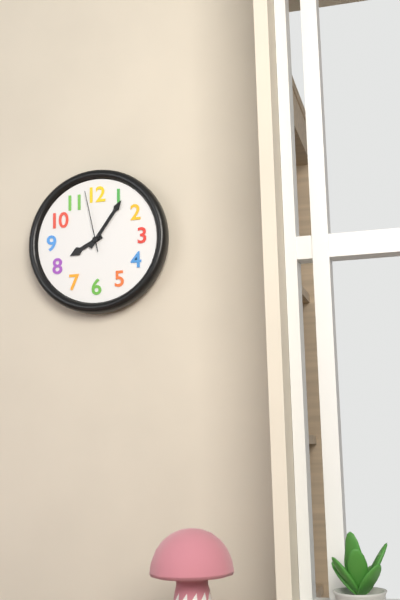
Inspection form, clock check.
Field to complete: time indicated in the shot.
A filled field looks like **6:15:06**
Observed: **8:06:58**
